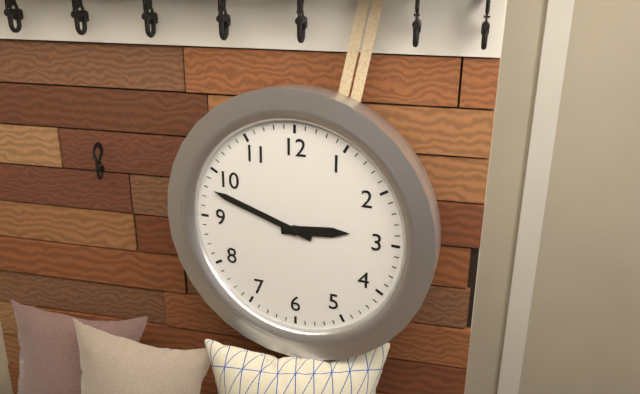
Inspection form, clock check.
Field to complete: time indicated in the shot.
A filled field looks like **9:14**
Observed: **2:48**
